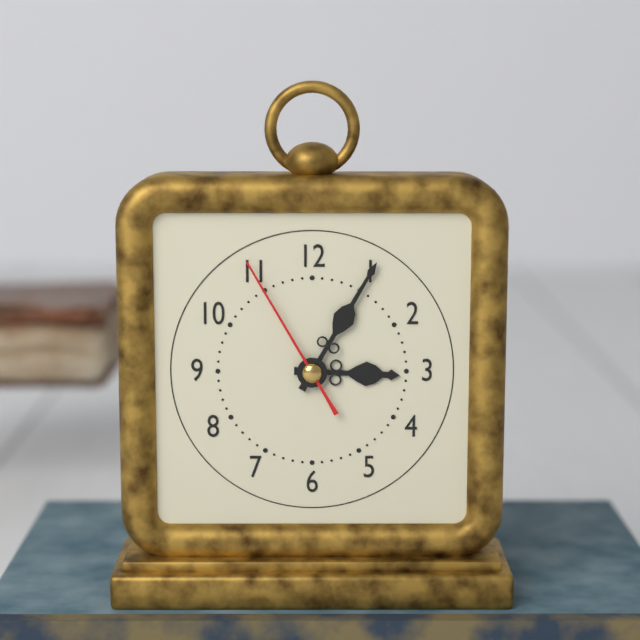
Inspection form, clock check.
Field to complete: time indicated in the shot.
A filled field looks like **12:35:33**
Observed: **3:05:55**
